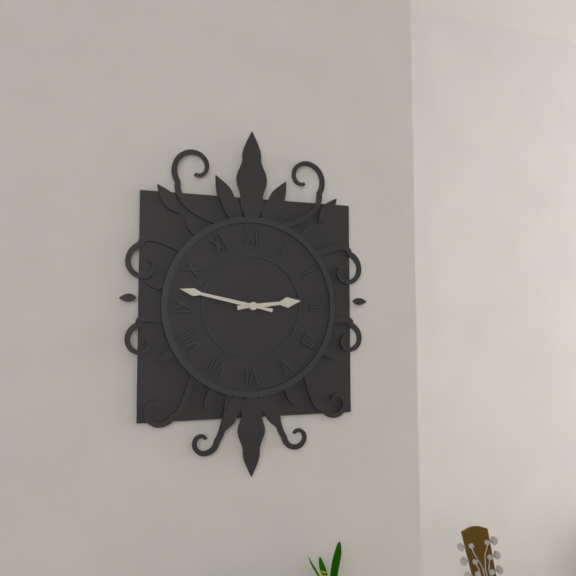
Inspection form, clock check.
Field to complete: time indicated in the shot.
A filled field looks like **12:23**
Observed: **2:47**
